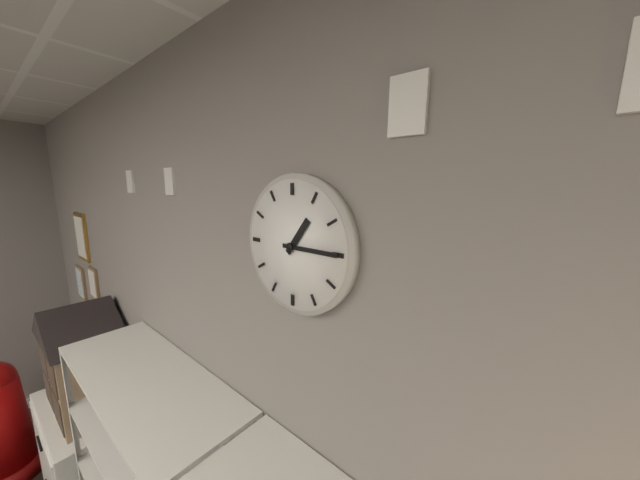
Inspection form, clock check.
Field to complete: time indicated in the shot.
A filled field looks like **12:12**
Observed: **1:15**
